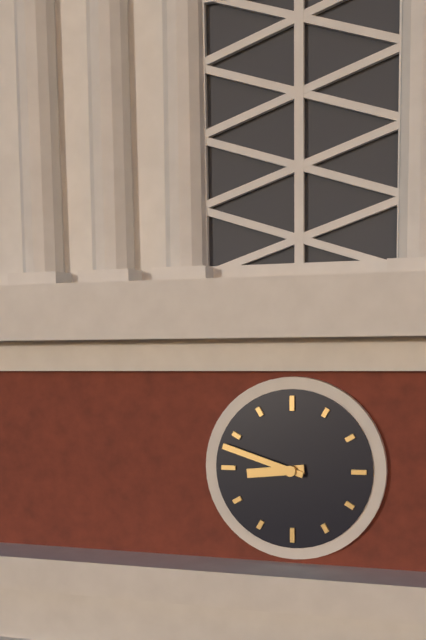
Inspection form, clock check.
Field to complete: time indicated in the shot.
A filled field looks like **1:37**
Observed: **8:48**
